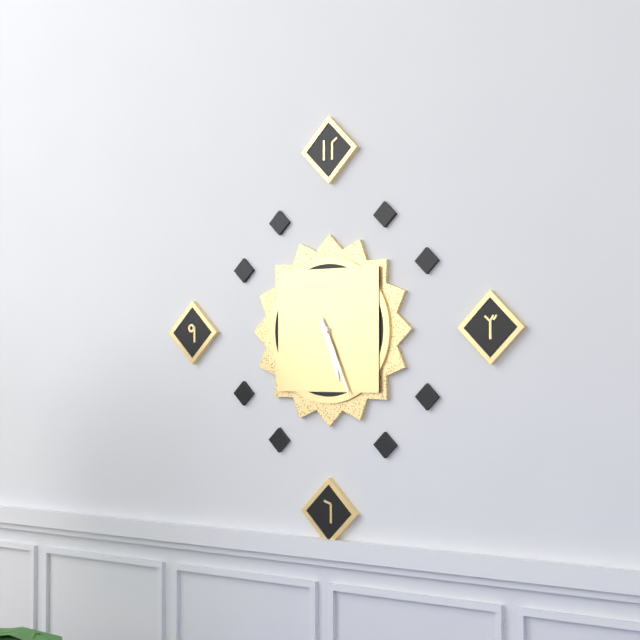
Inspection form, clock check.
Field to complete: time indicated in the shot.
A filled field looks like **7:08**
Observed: **5:26**
